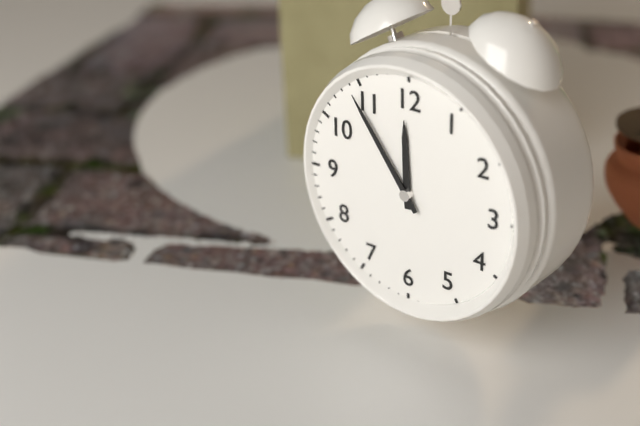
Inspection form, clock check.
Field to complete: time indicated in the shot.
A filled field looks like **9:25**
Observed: **11:54**
